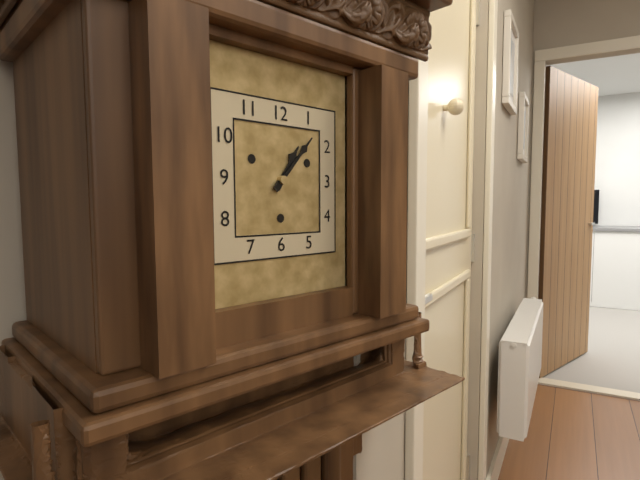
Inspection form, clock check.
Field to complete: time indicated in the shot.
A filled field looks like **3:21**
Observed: **1:07**
